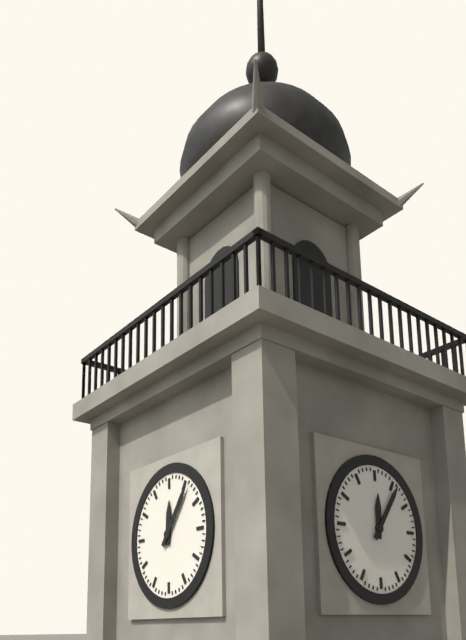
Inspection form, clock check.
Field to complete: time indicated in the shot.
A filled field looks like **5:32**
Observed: **12:06**
